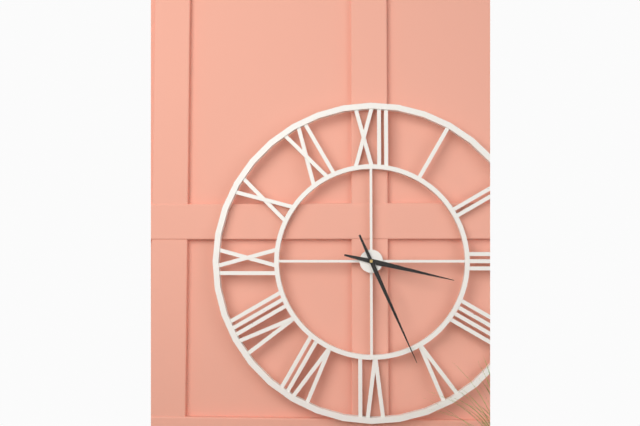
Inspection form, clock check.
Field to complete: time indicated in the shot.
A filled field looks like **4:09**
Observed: **3:26**
